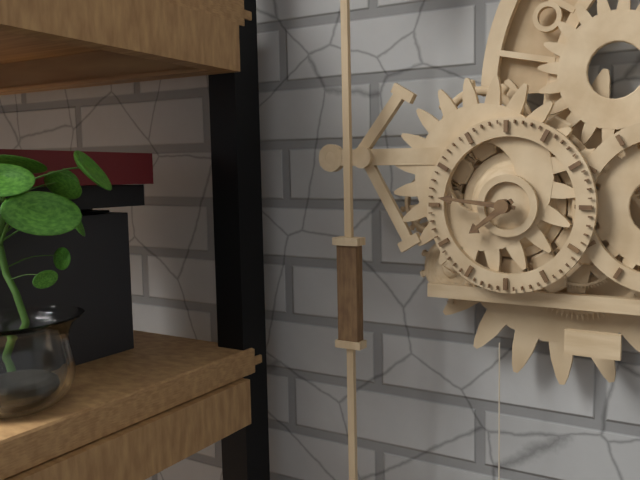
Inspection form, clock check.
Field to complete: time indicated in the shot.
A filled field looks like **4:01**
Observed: **7:46**
